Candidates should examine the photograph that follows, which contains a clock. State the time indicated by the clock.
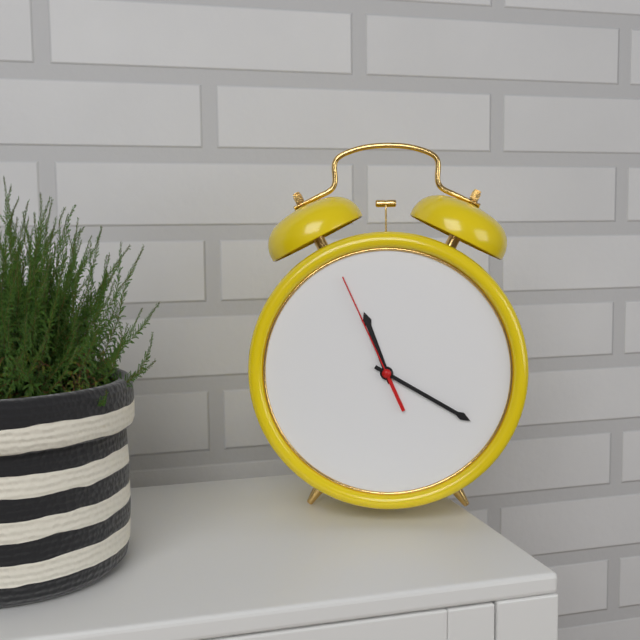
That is 11:20:56
